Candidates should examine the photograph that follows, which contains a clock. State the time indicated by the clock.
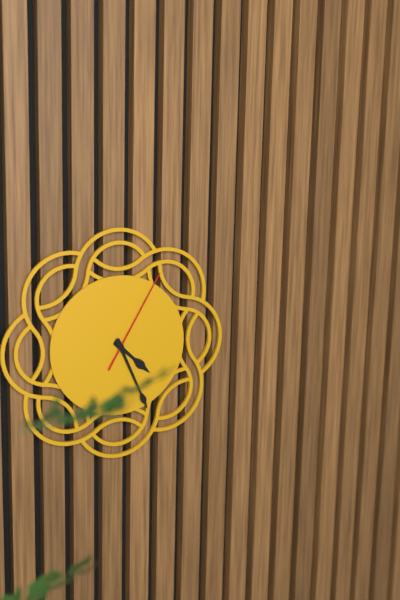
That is 4:26:05
